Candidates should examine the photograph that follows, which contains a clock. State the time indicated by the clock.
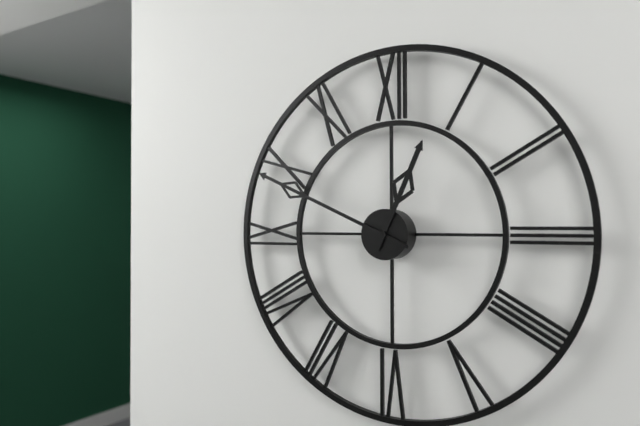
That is 12:49
